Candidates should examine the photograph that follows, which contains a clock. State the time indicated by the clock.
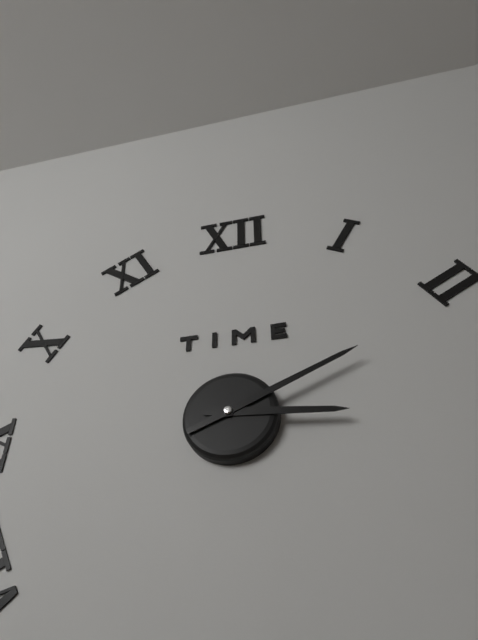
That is 3:11
